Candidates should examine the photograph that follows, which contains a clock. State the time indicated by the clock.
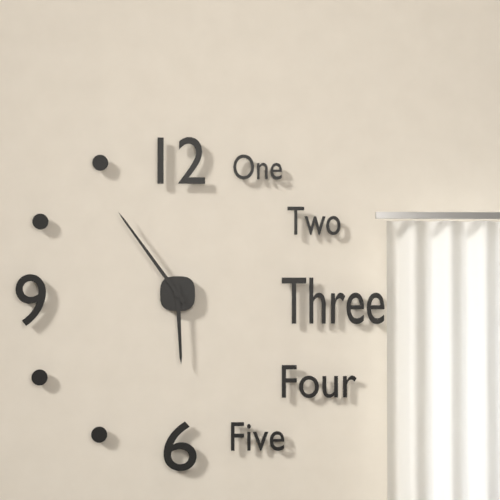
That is 5:54
